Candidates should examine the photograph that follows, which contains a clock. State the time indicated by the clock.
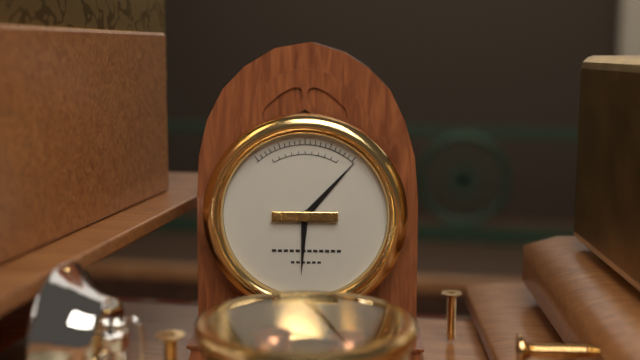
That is 6:07
